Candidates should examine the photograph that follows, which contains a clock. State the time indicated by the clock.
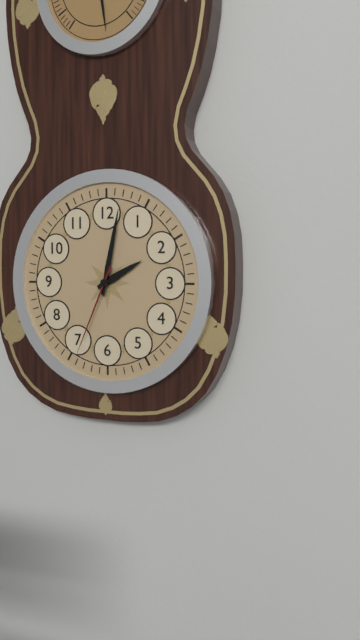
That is 2:02:34
